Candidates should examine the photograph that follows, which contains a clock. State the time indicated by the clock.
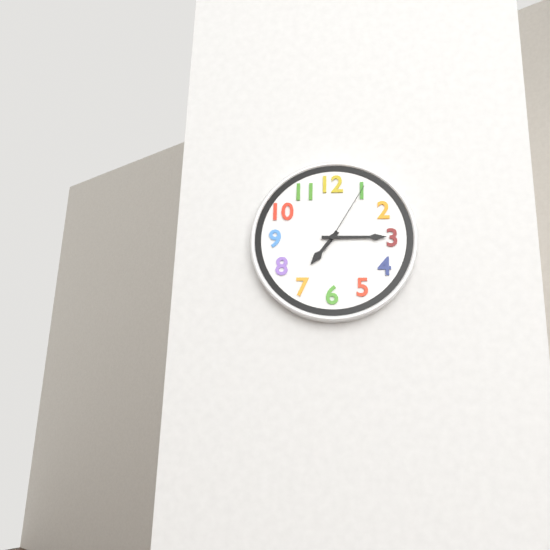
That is 7:15:05
